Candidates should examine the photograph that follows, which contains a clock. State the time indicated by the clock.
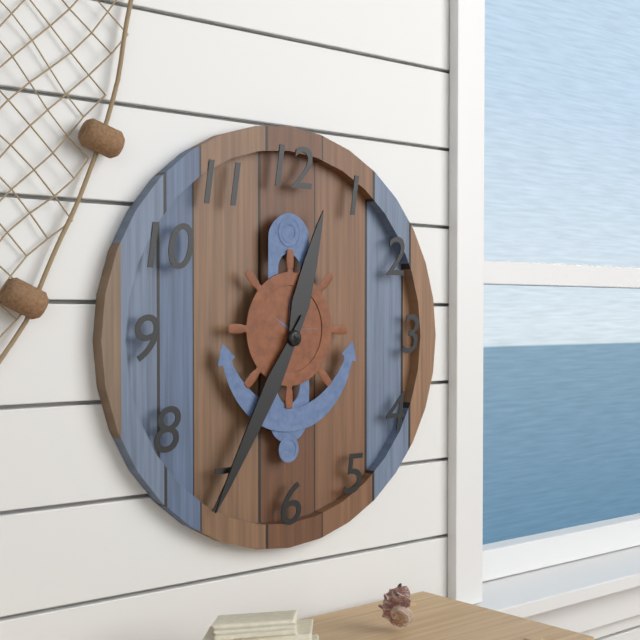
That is 12:35
